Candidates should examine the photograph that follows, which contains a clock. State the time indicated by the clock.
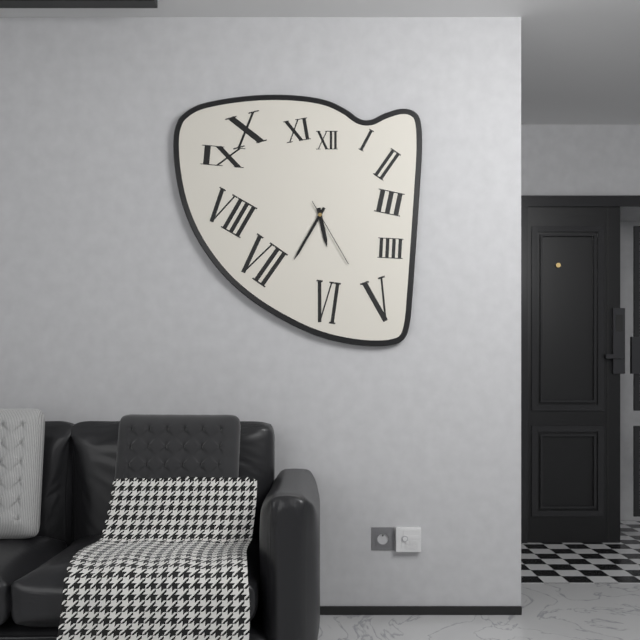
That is 5:35:25
